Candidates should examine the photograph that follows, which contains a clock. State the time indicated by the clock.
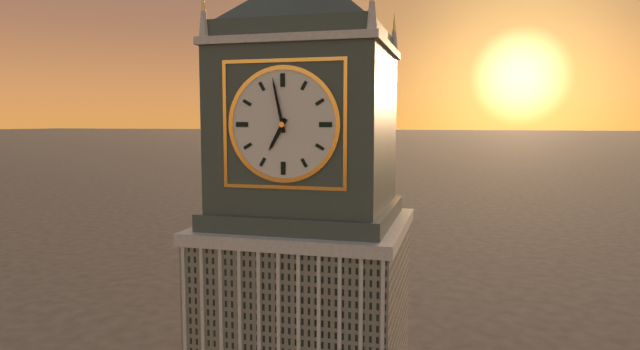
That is 6:58
